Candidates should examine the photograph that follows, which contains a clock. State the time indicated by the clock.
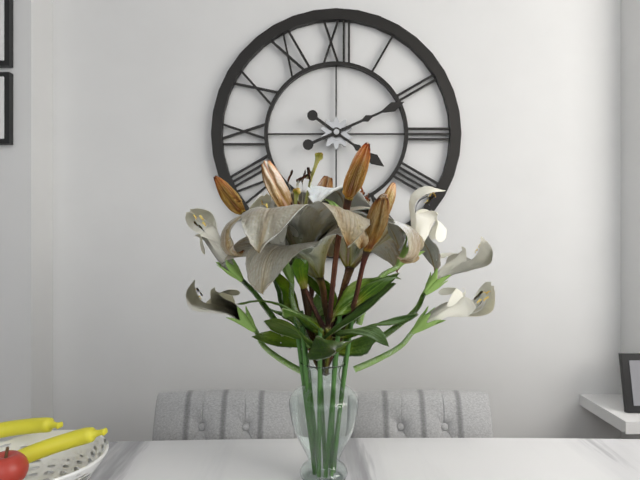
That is 4:11
